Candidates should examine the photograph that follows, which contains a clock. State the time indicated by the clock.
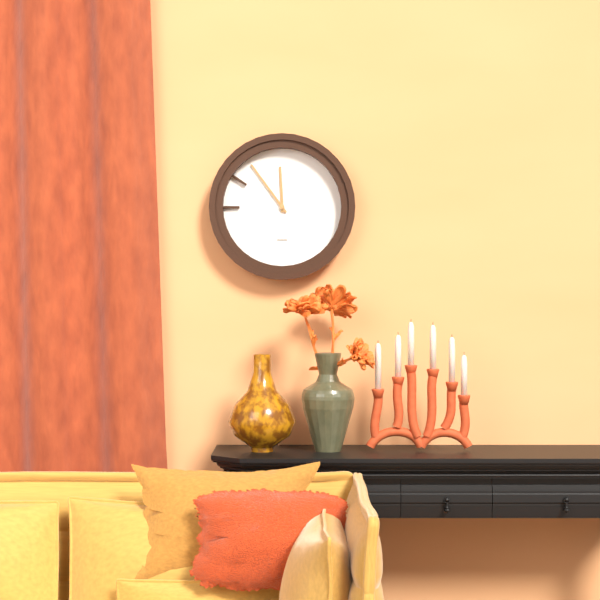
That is 11:54
